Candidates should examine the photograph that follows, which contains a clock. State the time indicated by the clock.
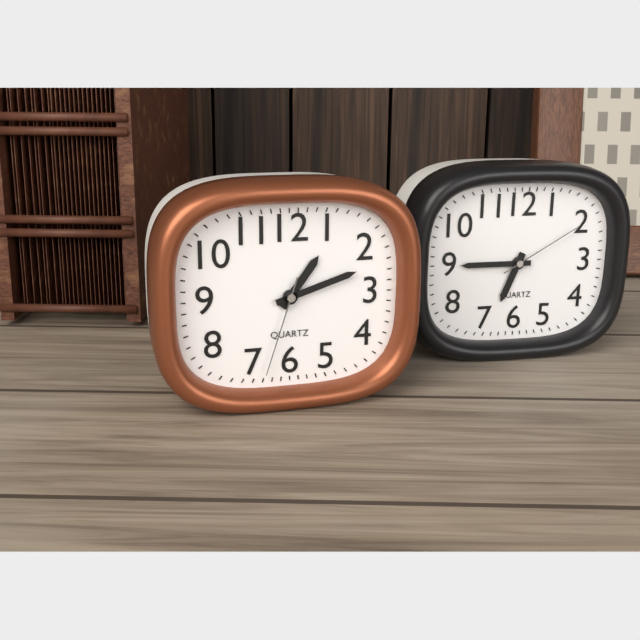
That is 1:12:33
